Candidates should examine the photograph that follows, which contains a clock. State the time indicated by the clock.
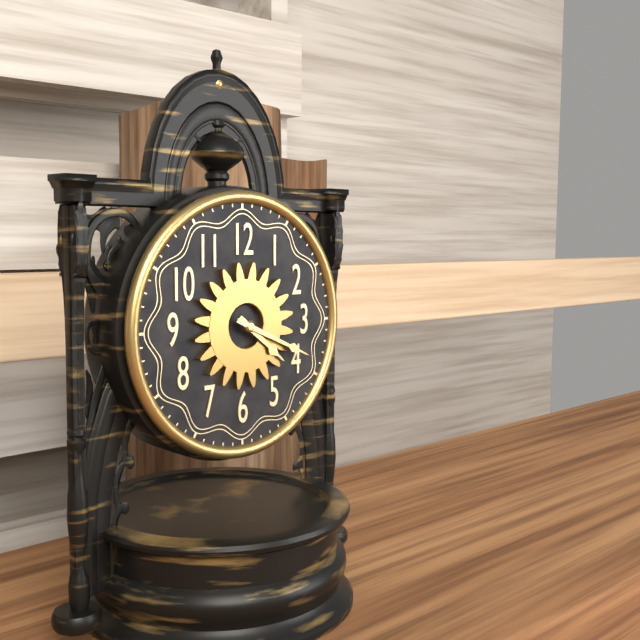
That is 4:19
